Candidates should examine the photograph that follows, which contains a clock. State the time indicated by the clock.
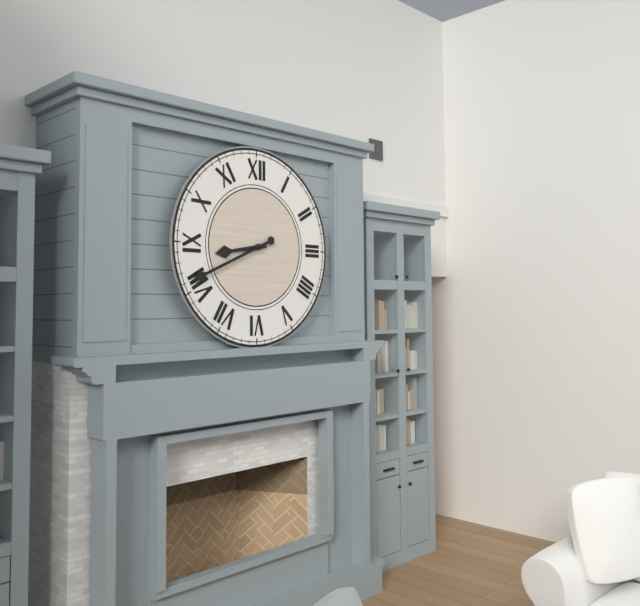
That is 8:41
